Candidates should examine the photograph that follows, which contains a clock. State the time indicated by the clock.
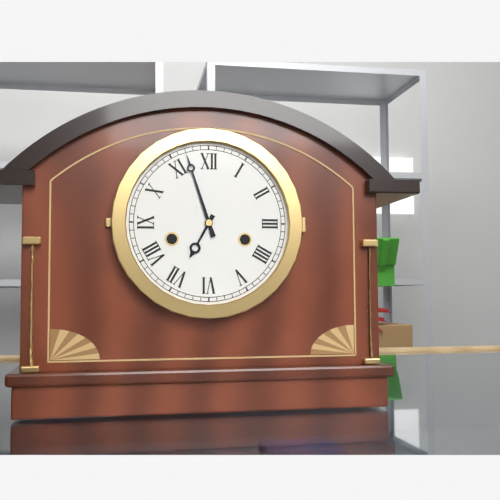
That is 6:57
